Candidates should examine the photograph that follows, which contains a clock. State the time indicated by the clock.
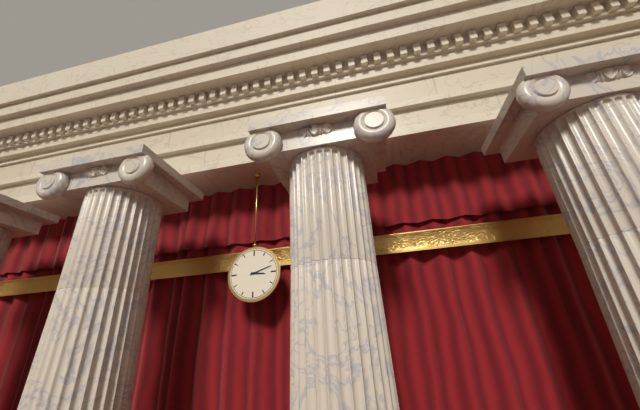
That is 3:12
